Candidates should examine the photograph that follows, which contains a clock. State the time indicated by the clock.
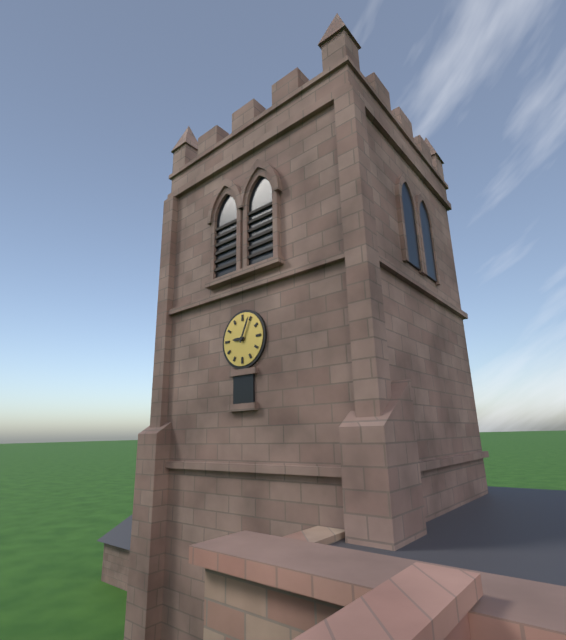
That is 9:04
